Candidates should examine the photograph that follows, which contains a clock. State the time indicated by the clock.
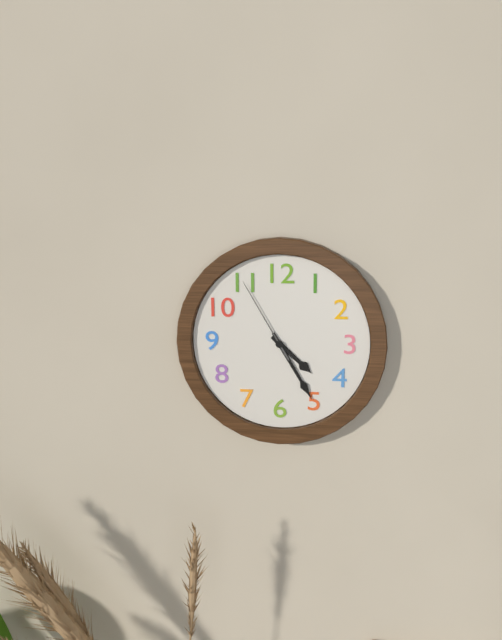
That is 4:25:55
